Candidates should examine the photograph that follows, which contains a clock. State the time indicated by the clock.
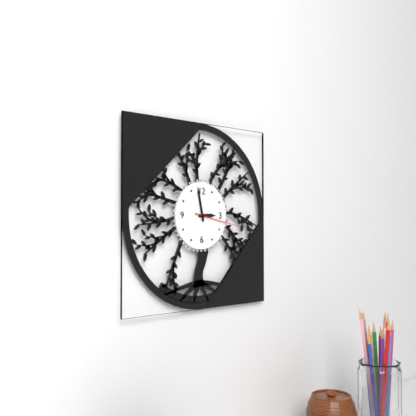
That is 2:58
